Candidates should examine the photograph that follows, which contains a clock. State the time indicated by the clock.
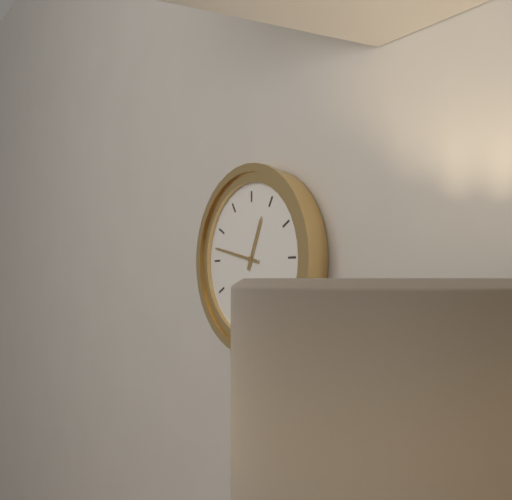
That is 12:47
